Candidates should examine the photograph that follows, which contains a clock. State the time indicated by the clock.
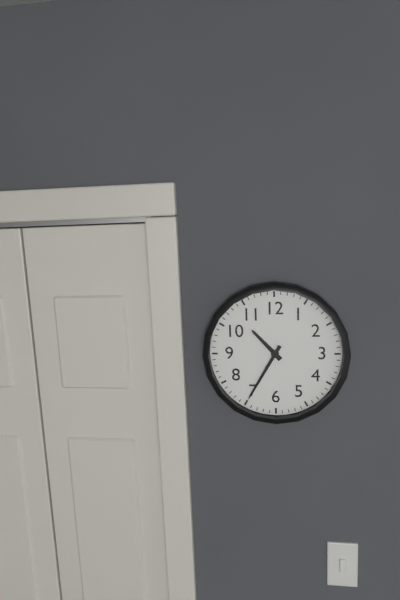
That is 10:35
